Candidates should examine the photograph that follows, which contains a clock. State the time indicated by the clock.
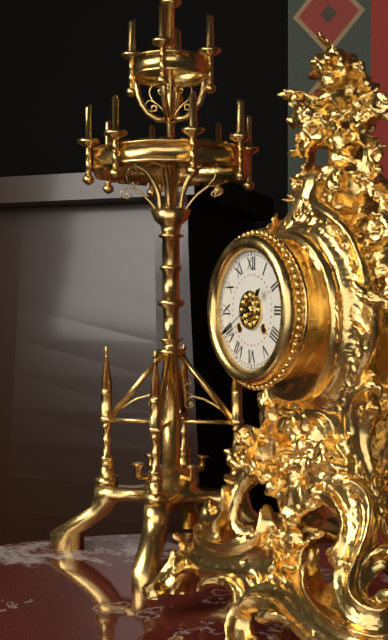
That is 1:40
